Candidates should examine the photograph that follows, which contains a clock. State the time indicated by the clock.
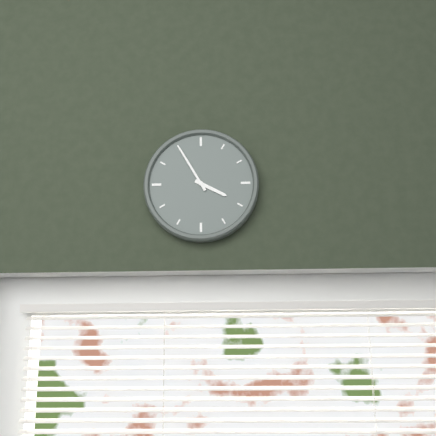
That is 3:55
